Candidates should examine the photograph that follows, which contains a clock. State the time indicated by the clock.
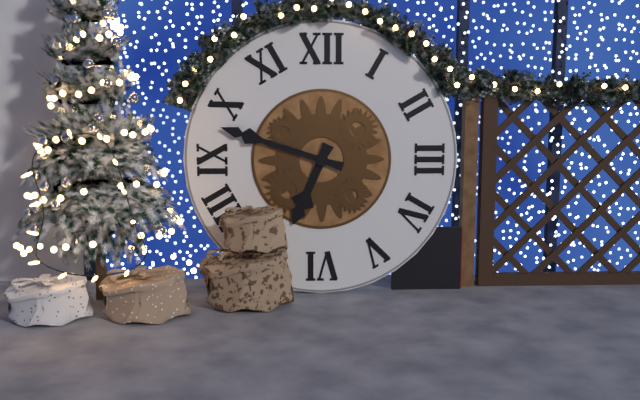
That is 6:48
